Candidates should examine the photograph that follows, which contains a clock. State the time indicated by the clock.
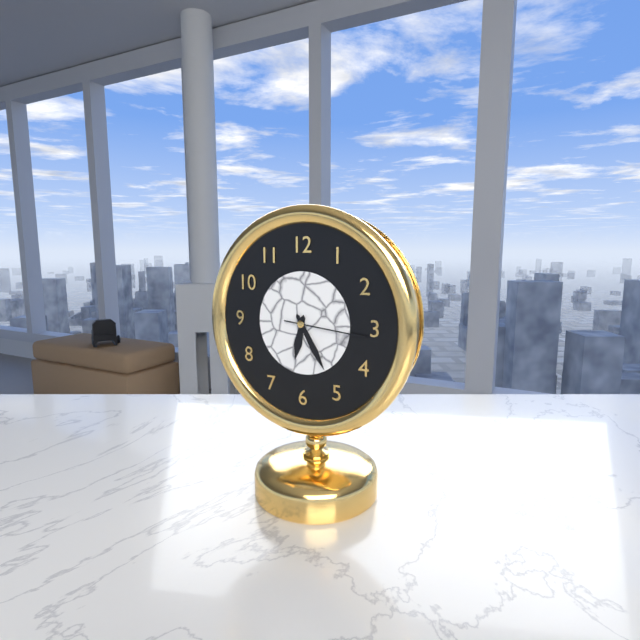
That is 6:25:16
